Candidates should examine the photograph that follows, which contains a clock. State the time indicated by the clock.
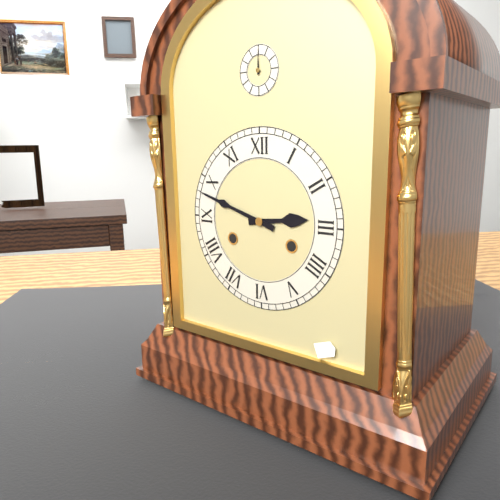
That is 2:48
